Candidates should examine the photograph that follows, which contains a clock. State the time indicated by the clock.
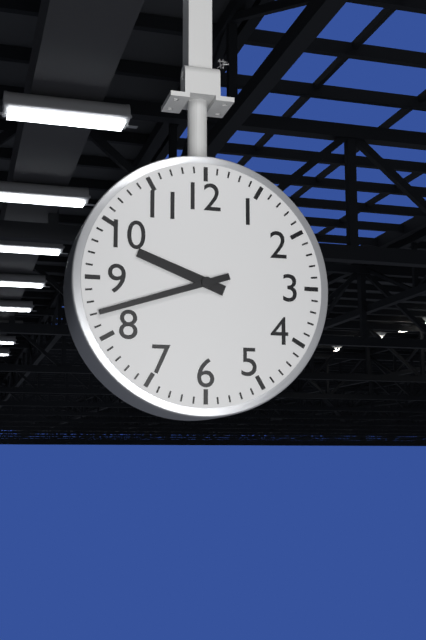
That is 9:42
